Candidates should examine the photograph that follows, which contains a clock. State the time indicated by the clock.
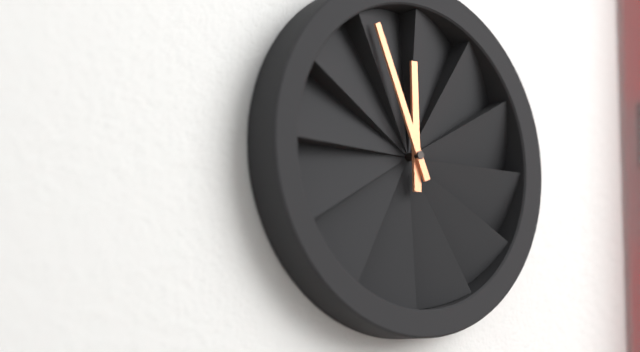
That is 11:56
